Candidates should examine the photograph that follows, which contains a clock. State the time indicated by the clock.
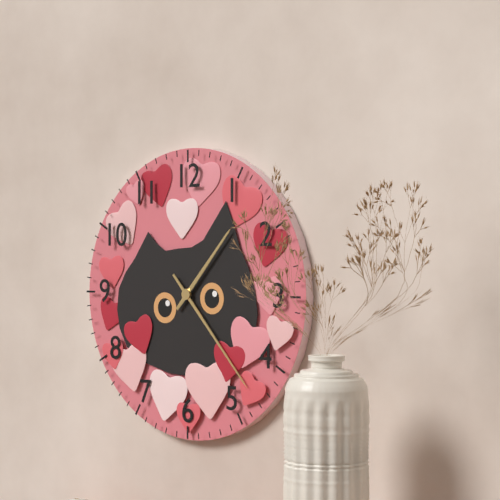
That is 1:23
